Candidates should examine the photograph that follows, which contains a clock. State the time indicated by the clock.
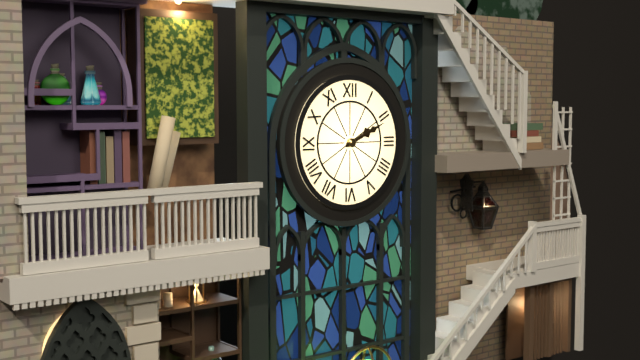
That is 2:11
